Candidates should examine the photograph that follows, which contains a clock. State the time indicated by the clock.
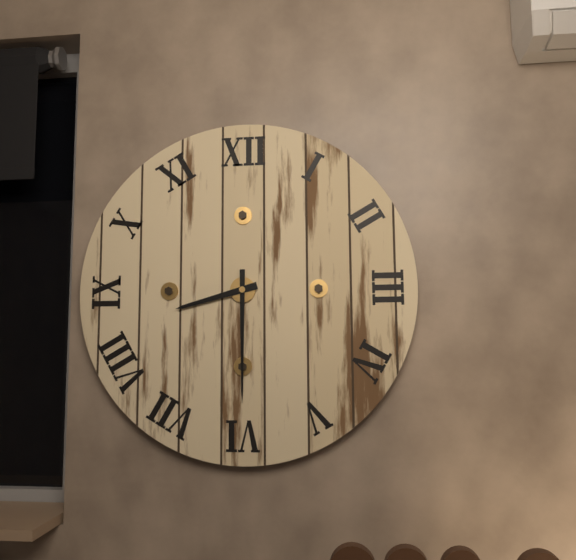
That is 8:30
